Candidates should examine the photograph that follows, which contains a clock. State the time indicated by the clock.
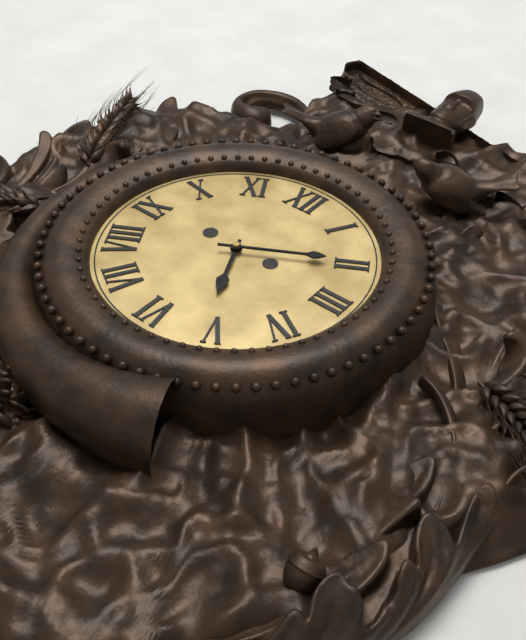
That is 5:10
